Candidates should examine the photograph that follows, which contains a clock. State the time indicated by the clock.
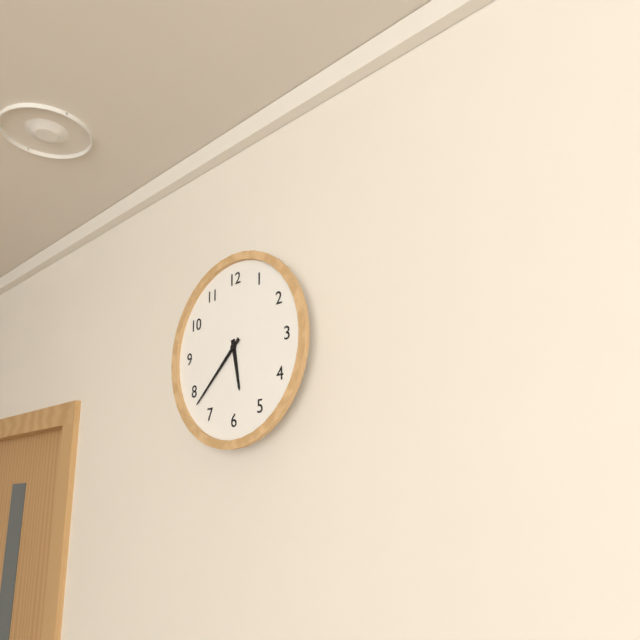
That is 5:38
